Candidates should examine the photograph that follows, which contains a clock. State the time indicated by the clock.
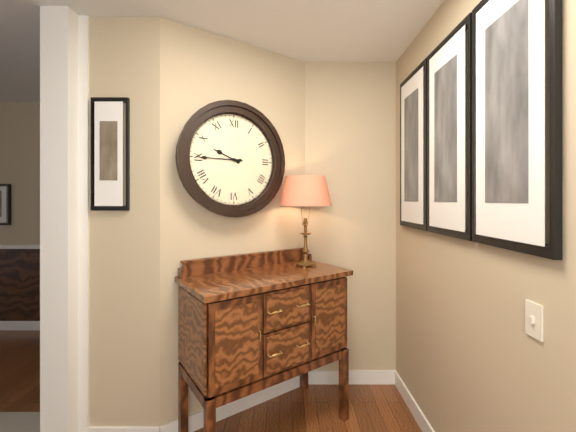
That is 9:45
